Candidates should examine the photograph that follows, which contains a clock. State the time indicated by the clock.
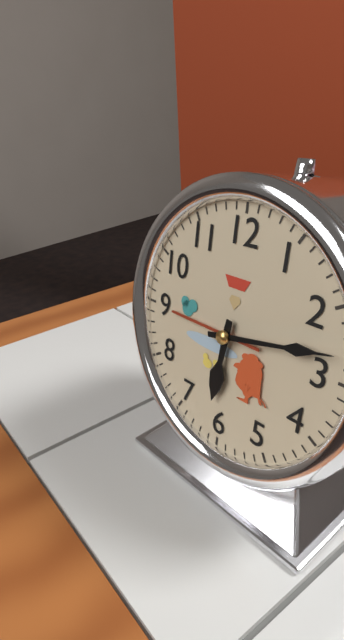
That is 6:13
